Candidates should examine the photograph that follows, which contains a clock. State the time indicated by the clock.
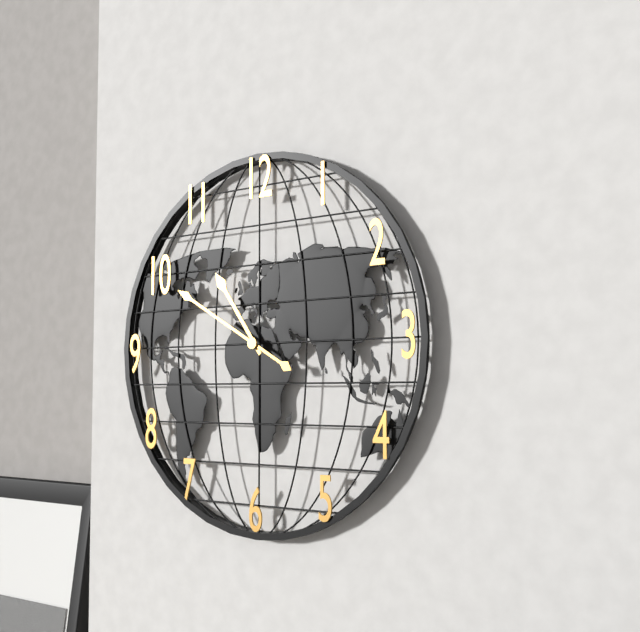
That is 10:50
